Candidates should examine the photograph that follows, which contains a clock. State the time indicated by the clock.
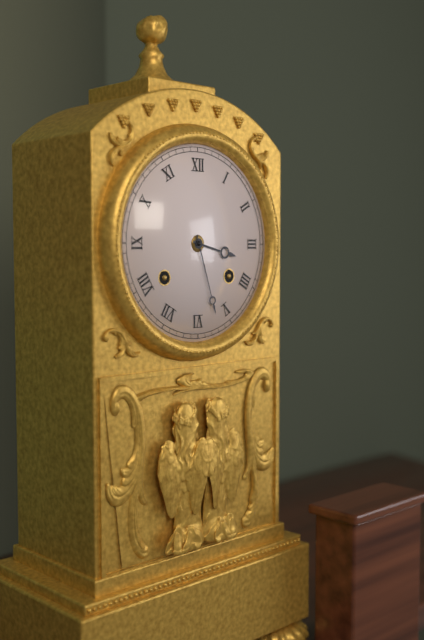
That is 3:27
